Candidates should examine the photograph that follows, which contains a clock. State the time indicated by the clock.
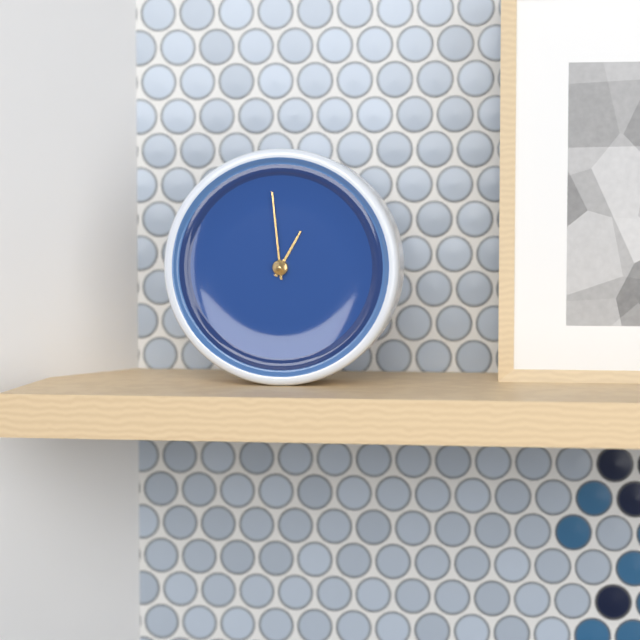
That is 12:59
